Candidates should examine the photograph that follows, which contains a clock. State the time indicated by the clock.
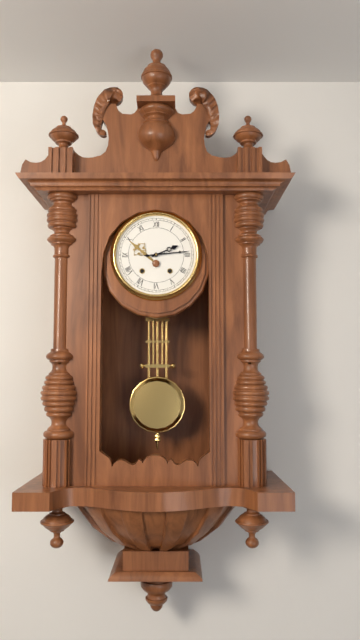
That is 2:14
